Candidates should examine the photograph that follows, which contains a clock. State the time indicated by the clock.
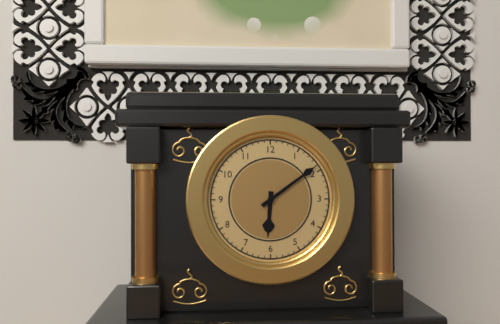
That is 6:09
